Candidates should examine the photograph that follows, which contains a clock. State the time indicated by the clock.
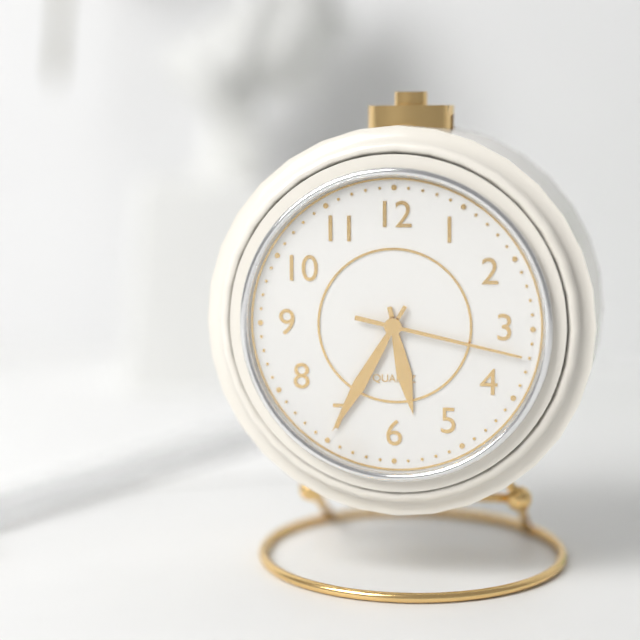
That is 5:35:17
